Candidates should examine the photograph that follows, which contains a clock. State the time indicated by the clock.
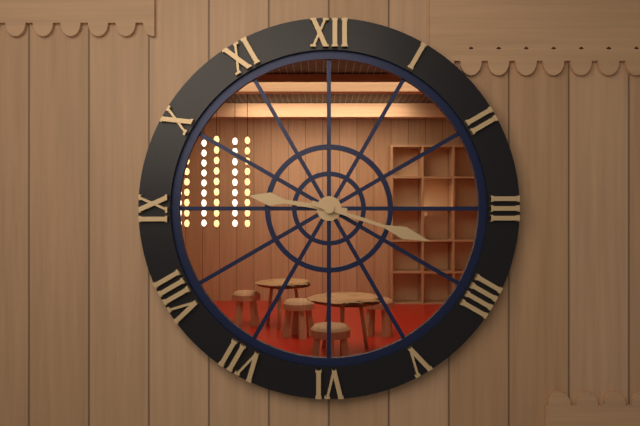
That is 9:18
